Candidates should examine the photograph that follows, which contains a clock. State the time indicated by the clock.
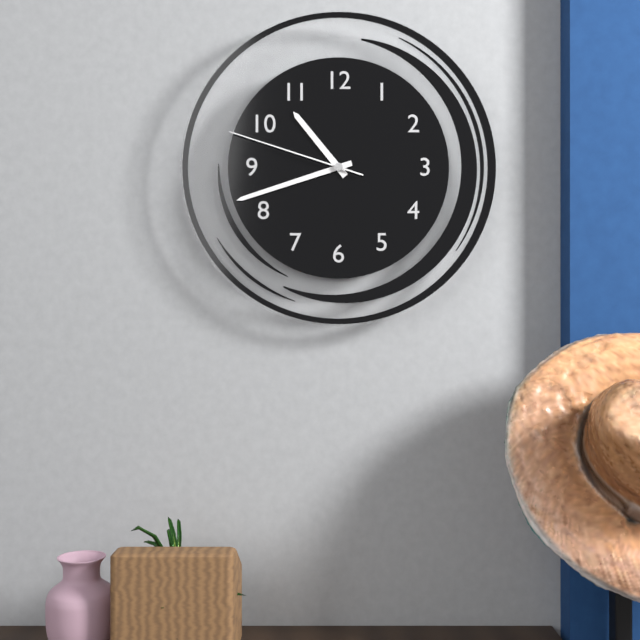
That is 10:42:48
